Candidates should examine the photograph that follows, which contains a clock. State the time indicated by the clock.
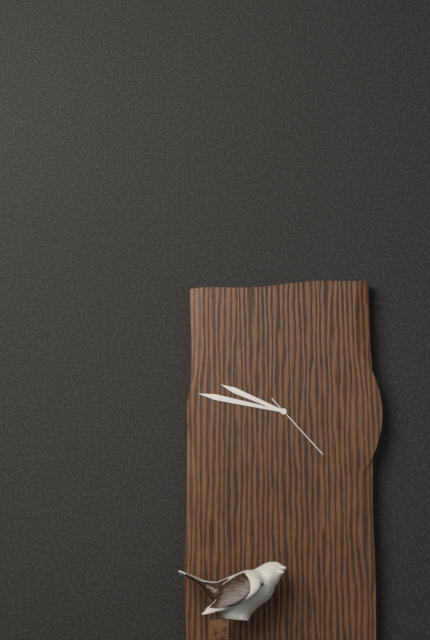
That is 9:47:23
